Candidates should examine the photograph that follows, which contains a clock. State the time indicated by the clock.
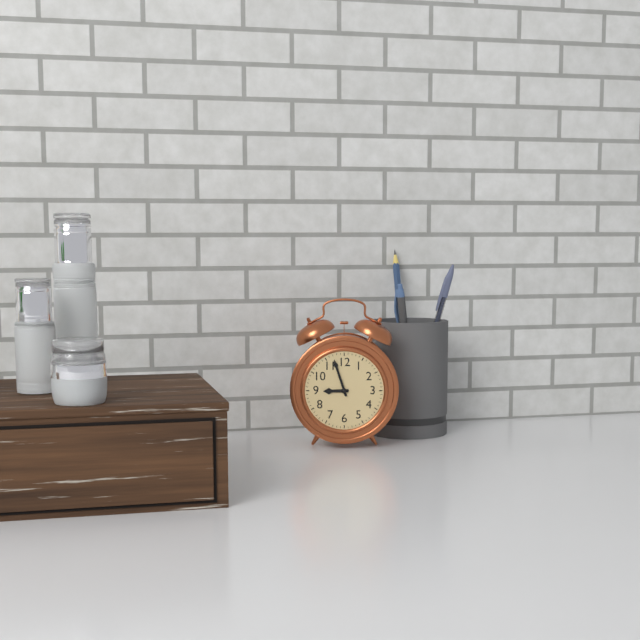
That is 8:57
